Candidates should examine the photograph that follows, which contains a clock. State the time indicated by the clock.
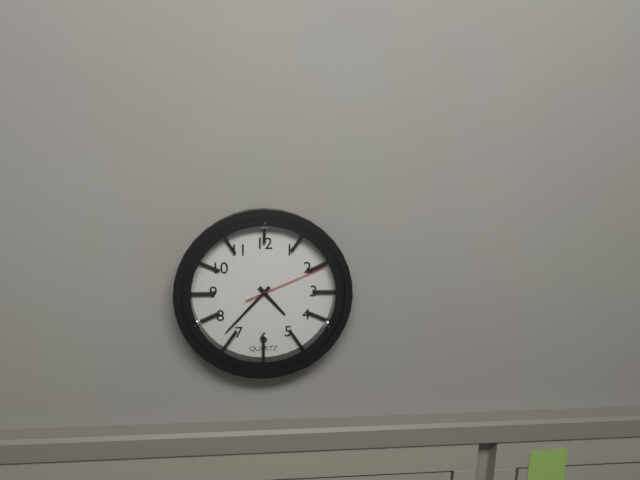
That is 4:37:11
